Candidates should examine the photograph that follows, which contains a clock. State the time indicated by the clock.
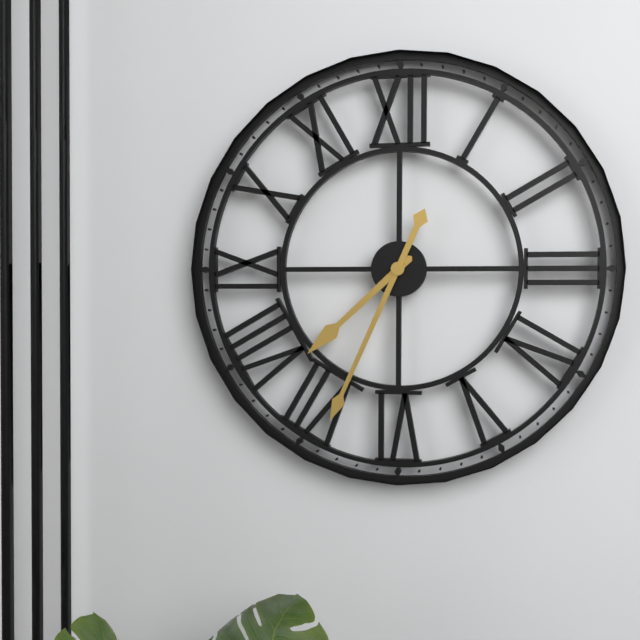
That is 7:34
